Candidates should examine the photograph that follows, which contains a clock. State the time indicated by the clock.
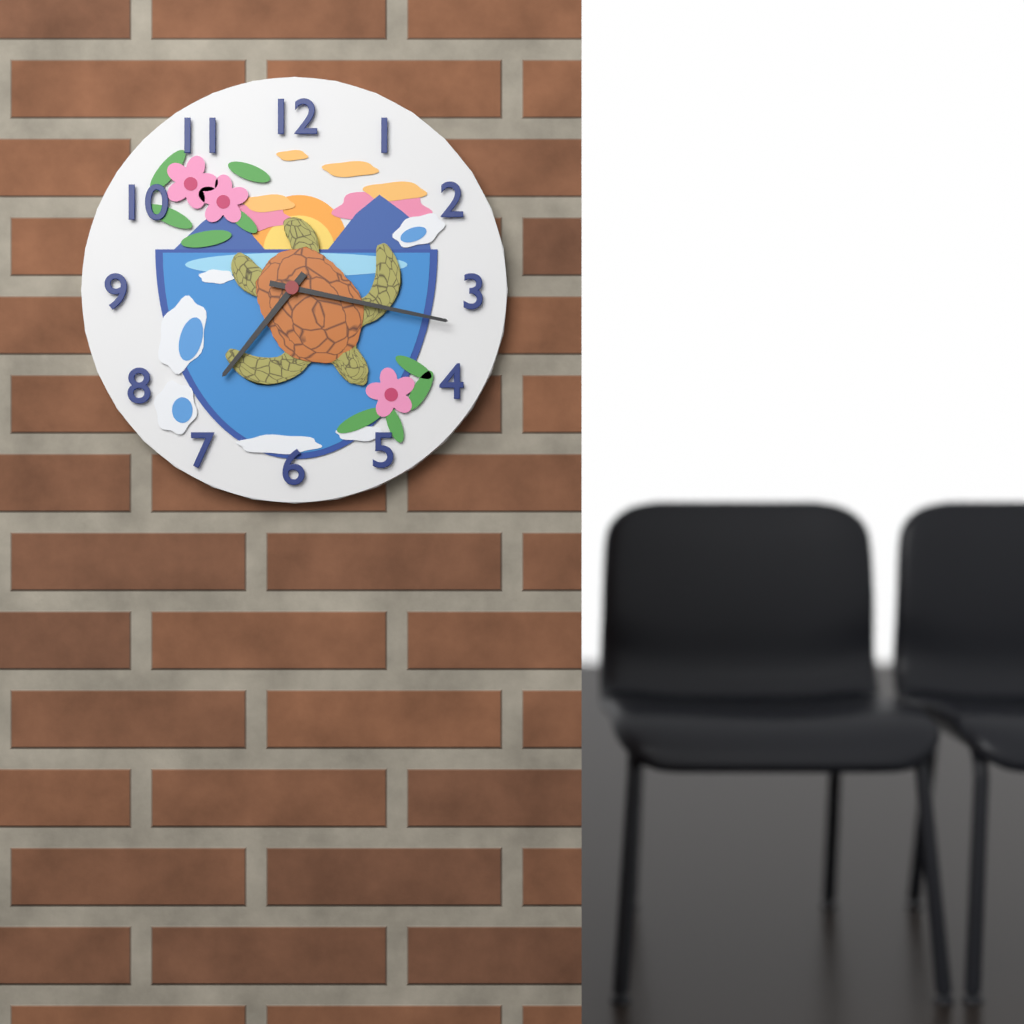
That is 7:17
